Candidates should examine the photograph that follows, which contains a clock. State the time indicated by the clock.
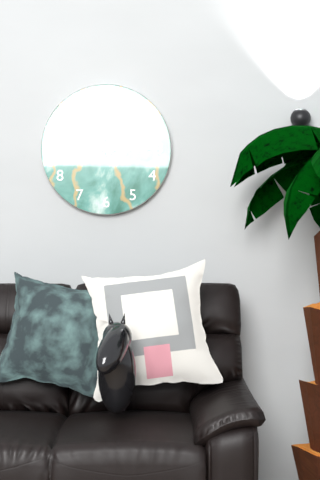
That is 11:15
